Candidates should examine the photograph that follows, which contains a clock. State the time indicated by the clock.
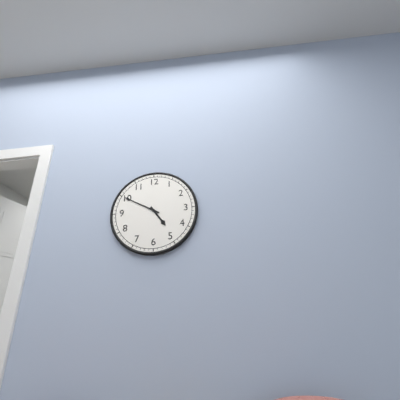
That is 4:50
